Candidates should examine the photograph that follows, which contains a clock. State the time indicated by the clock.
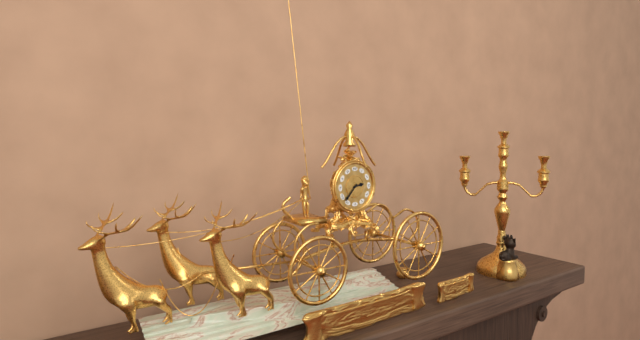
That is 2:37
